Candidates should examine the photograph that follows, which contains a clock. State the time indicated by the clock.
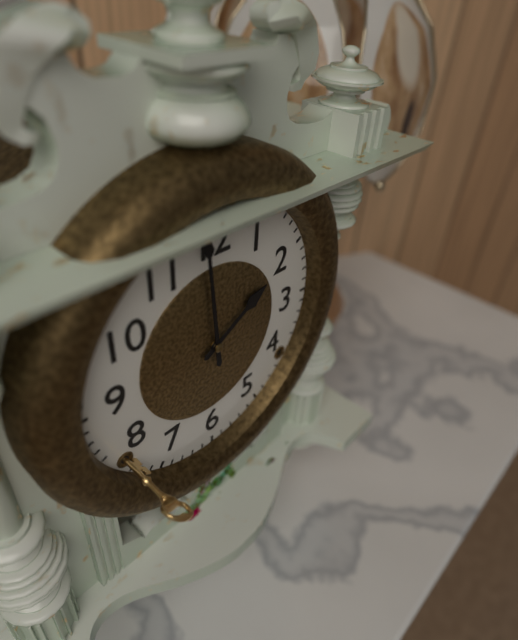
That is 1:59
